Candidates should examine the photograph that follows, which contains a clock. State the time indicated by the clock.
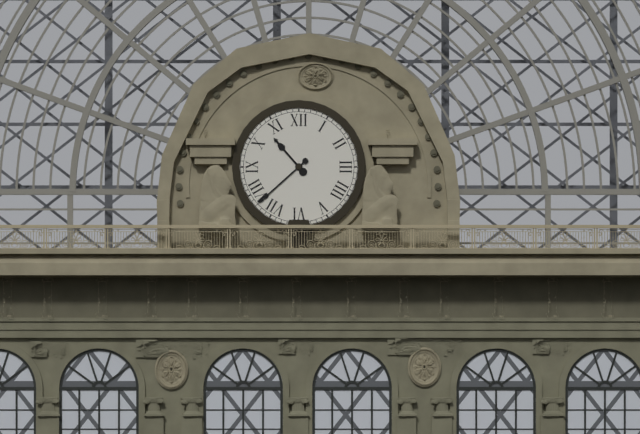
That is 10:38
